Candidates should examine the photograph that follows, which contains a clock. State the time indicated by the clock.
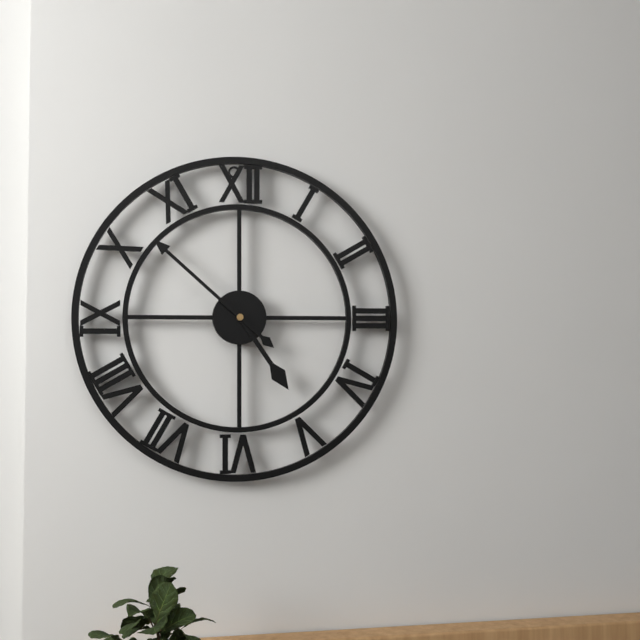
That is 4:52
